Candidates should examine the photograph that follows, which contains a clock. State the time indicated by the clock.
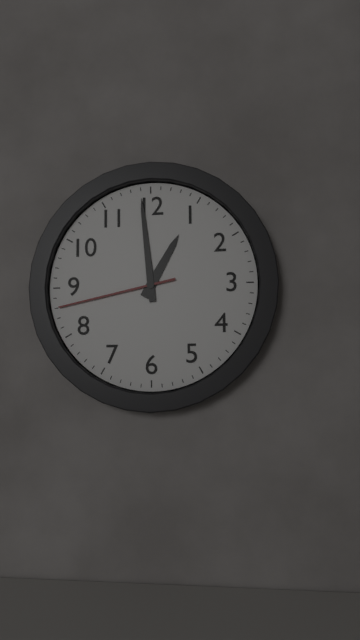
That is 12:59:43
